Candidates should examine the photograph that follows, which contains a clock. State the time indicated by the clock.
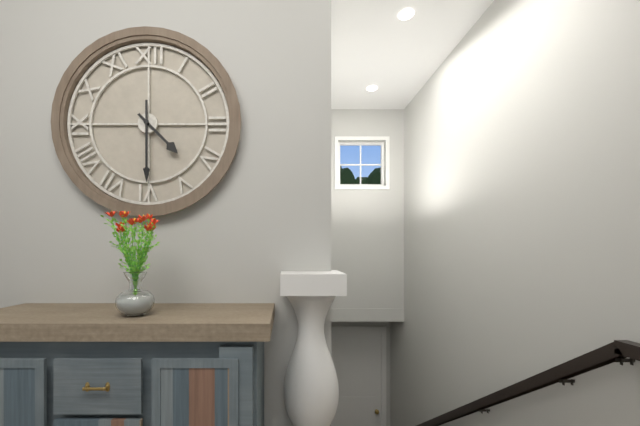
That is 4:30
